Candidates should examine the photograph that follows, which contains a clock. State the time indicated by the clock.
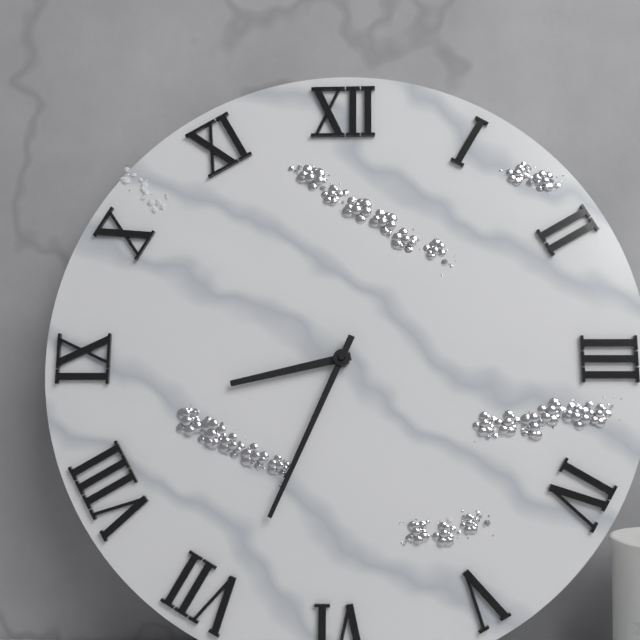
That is 8:34
